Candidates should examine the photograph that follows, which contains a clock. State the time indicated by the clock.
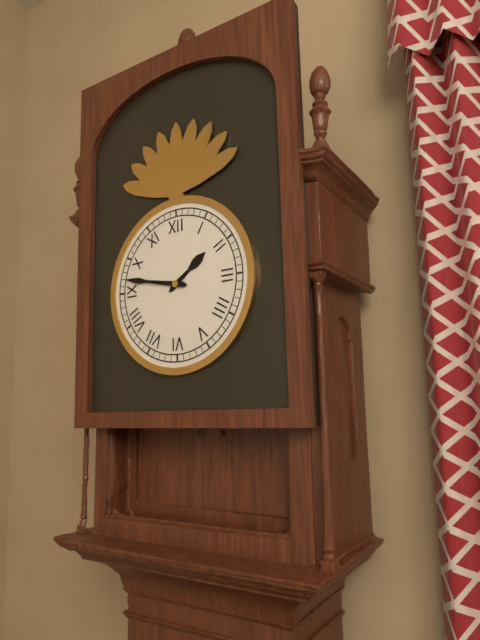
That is 1:47
